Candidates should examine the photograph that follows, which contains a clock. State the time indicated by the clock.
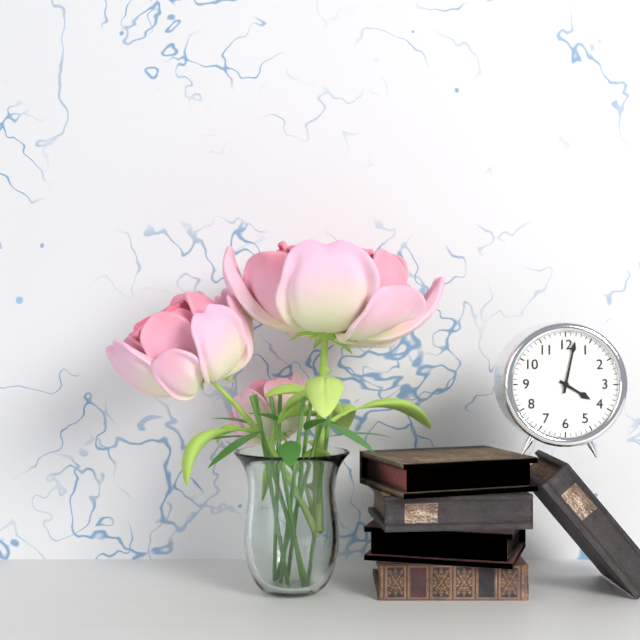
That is 4:02
